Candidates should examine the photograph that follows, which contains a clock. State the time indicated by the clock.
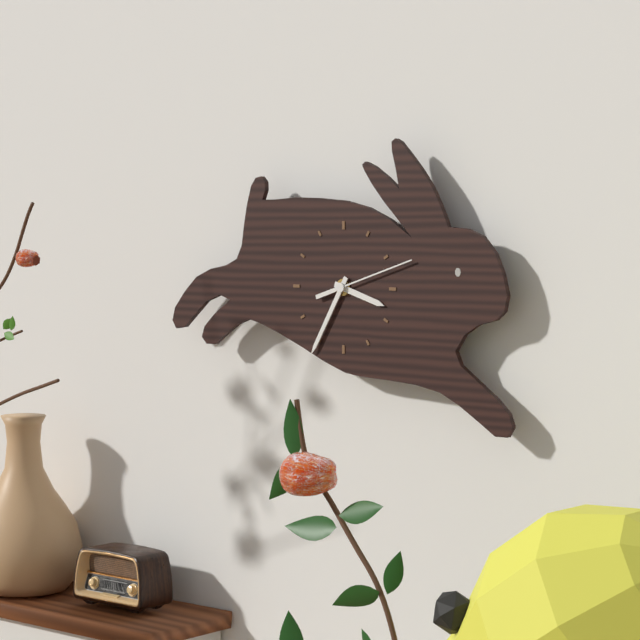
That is 3:35:12
